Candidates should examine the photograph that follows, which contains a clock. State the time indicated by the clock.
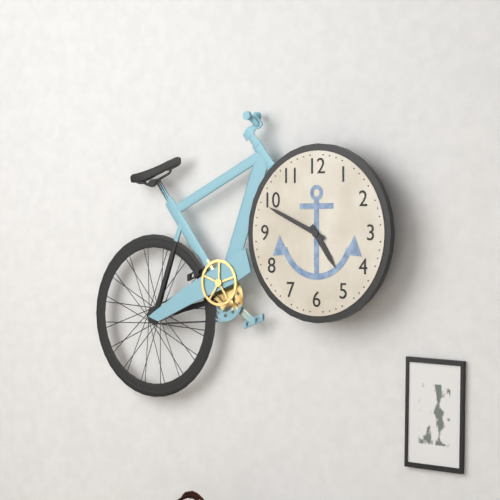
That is 4:49
